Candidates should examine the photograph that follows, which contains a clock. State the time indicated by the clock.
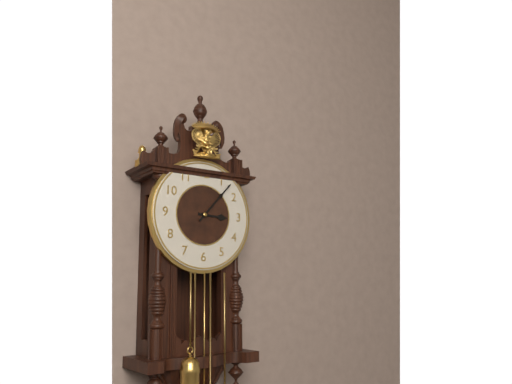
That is 3:07
